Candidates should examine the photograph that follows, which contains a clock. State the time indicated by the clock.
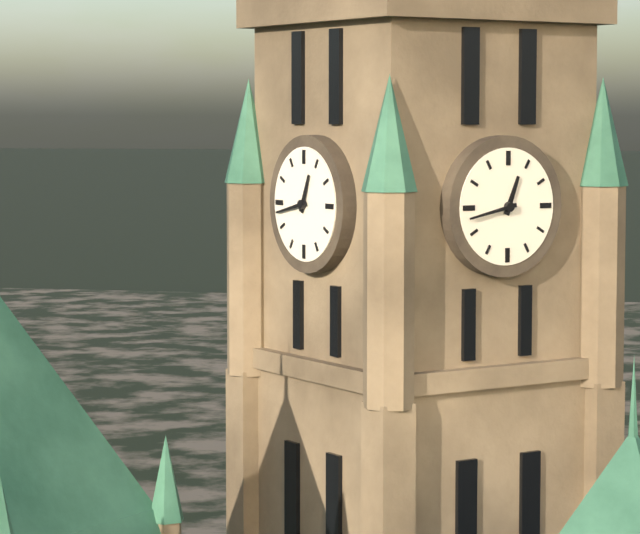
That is 12:43
